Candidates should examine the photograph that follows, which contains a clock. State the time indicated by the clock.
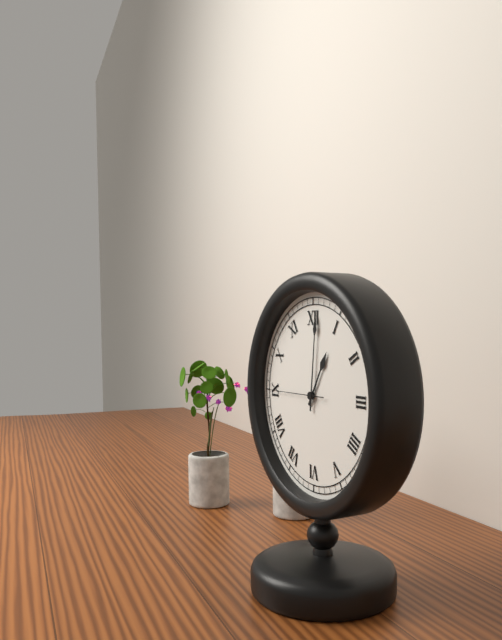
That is 1:01:45
